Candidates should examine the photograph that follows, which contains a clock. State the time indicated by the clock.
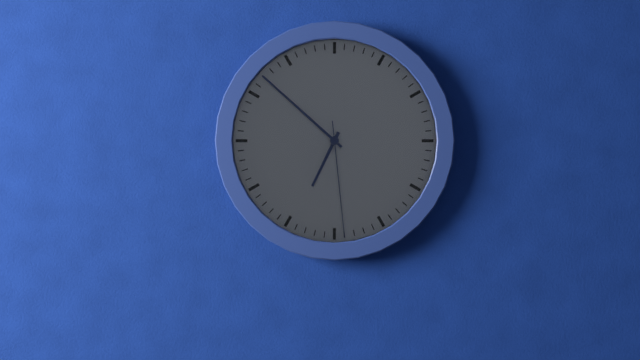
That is 6:52:29
